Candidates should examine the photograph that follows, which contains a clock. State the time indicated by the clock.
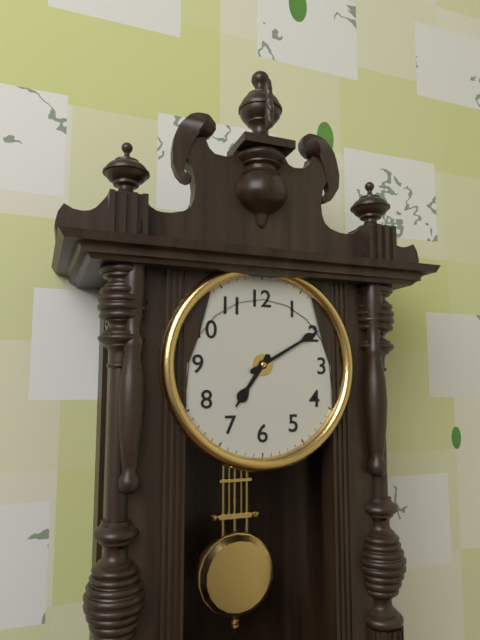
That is 7:10
